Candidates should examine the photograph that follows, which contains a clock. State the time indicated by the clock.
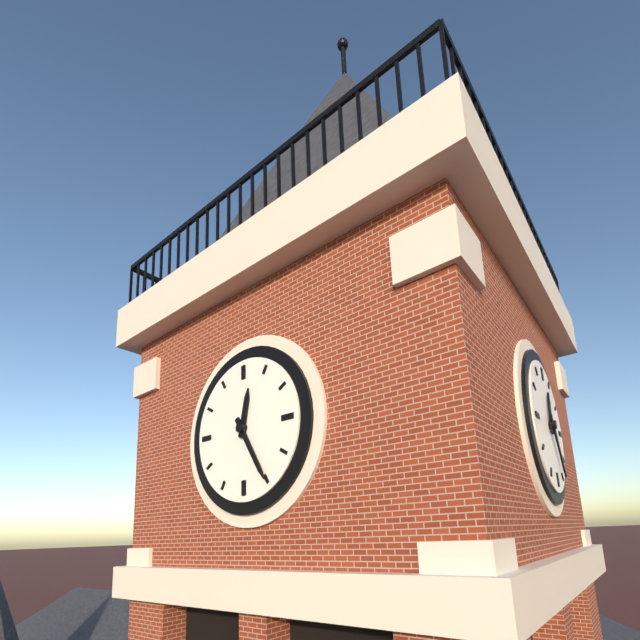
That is 12:25
